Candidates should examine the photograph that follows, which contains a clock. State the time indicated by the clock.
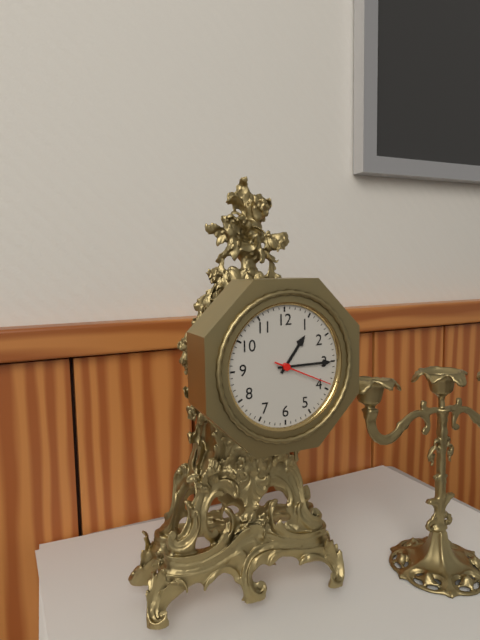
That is 1:15:19
